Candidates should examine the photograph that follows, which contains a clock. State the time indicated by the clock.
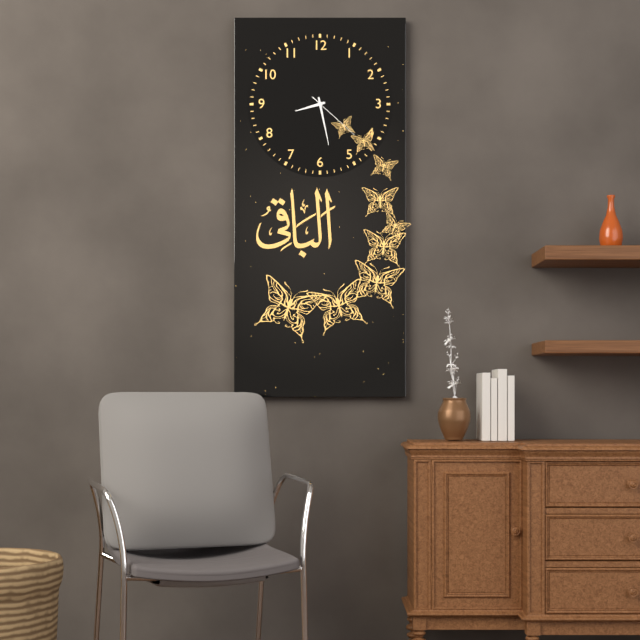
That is 8:28:22
